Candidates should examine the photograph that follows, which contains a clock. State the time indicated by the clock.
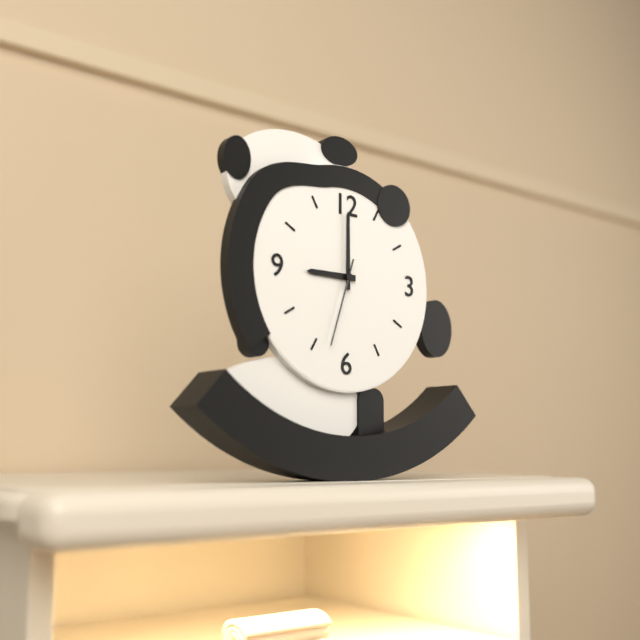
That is 9:00:33
